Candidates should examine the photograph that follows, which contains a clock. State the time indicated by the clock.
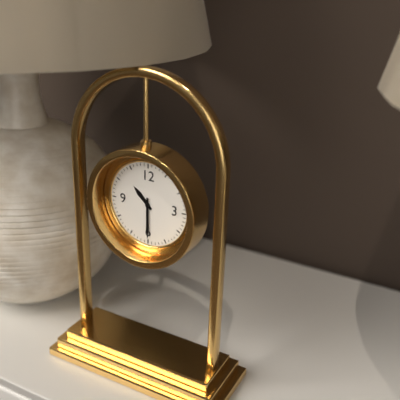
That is 10:30
